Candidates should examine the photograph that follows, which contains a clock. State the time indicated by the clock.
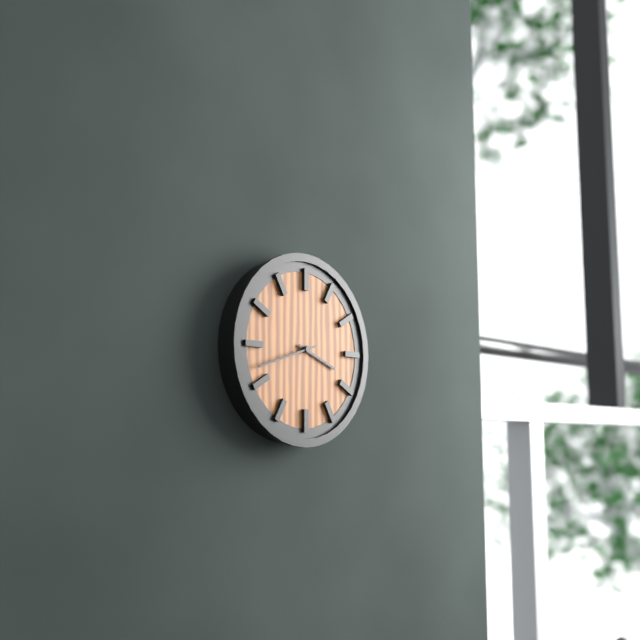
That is 3:42
